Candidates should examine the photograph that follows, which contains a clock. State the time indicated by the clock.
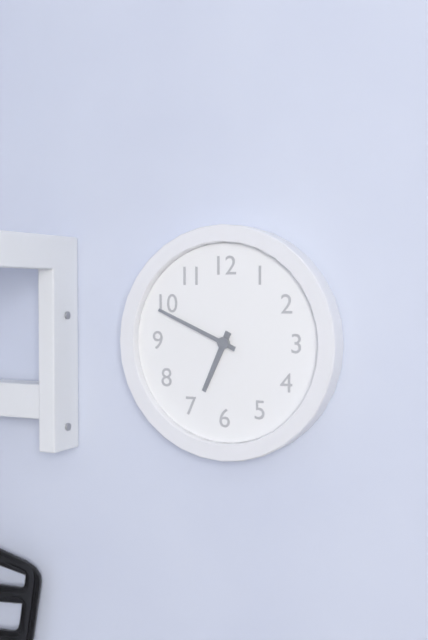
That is 6:49
